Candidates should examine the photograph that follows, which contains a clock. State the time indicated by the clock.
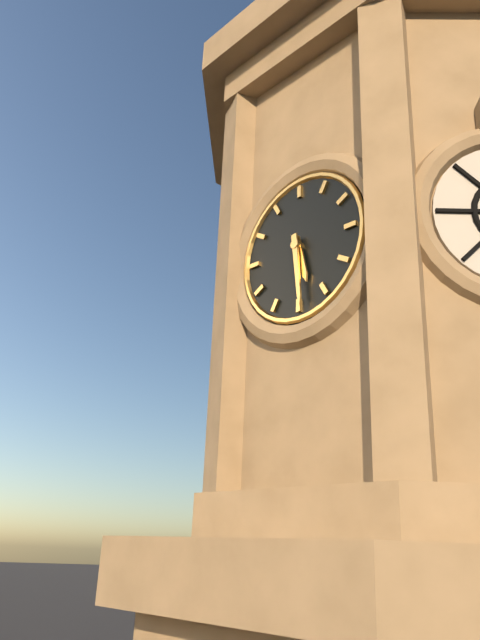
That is 5:29
